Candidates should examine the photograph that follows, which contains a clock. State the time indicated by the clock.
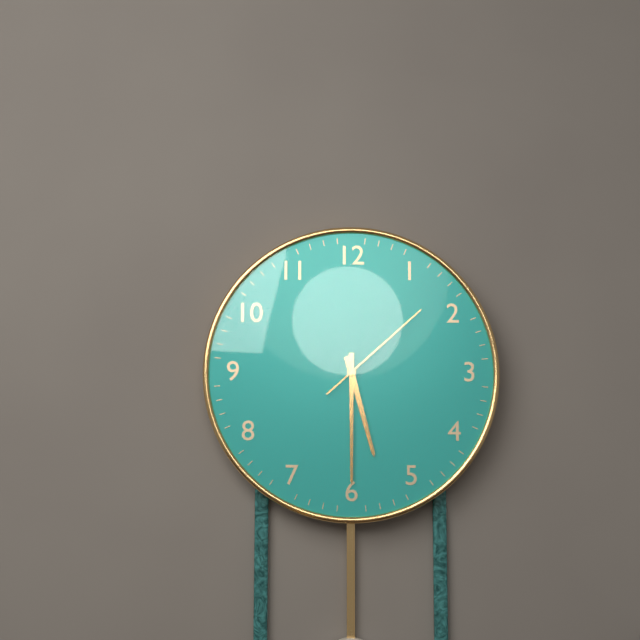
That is 5:30:08
